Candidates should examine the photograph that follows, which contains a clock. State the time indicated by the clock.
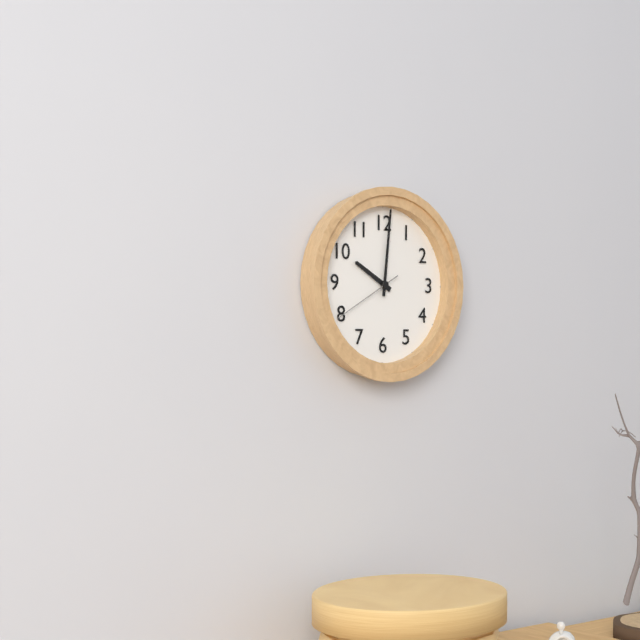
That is 10:01:40
